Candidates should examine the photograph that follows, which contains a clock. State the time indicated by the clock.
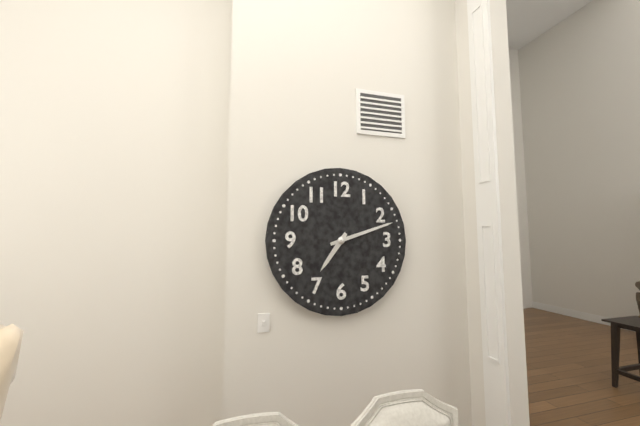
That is 7:12
